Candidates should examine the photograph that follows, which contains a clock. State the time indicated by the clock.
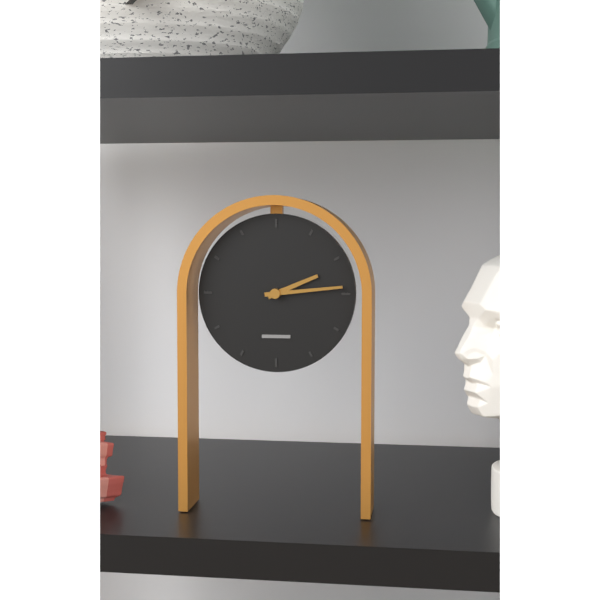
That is 2:14
